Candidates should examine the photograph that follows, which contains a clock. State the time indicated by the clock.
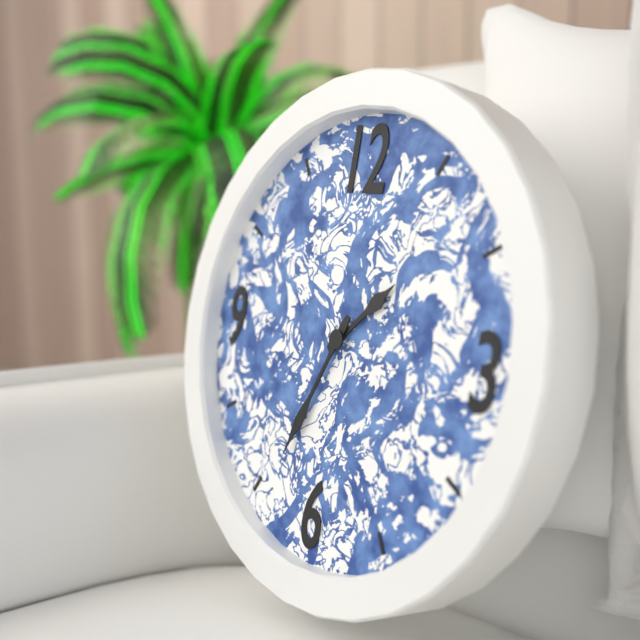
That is 1:34
